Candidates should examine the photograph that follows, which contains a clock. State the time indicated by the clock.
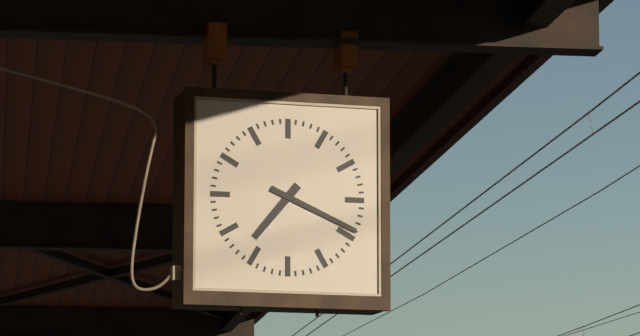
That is 7:19
